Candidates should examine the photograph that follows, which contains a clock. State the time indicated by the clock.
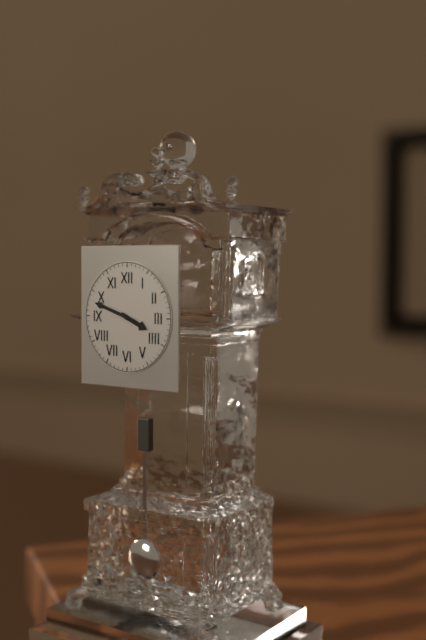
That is 3:48
